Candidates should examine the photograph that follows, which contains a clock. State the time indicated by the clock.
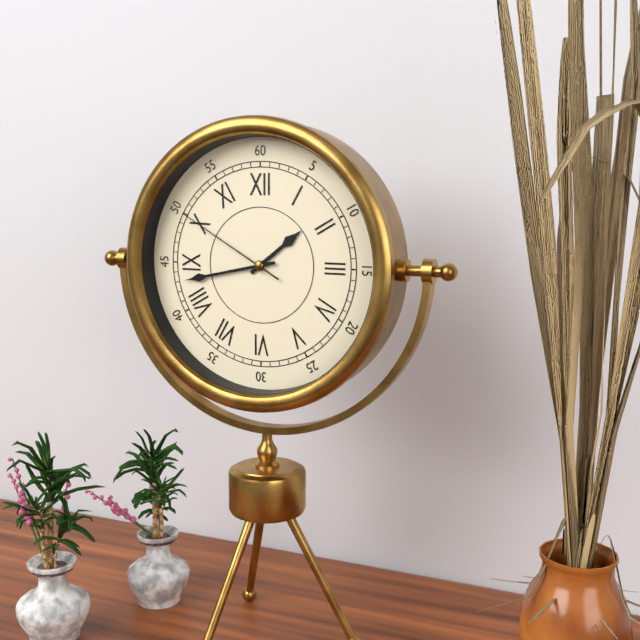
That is 1:43:50
